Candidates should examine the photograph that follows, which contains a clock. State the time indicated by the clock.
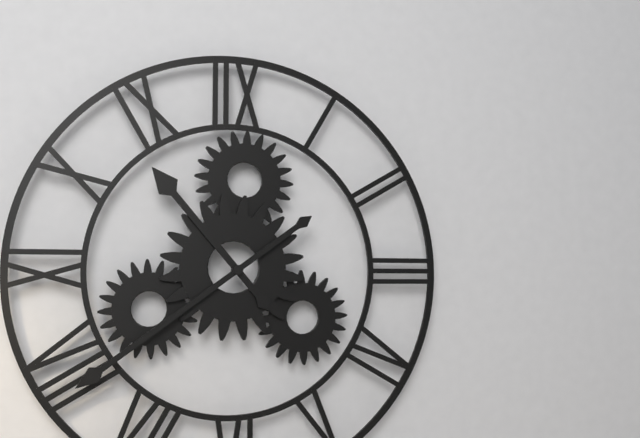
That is 10:39
